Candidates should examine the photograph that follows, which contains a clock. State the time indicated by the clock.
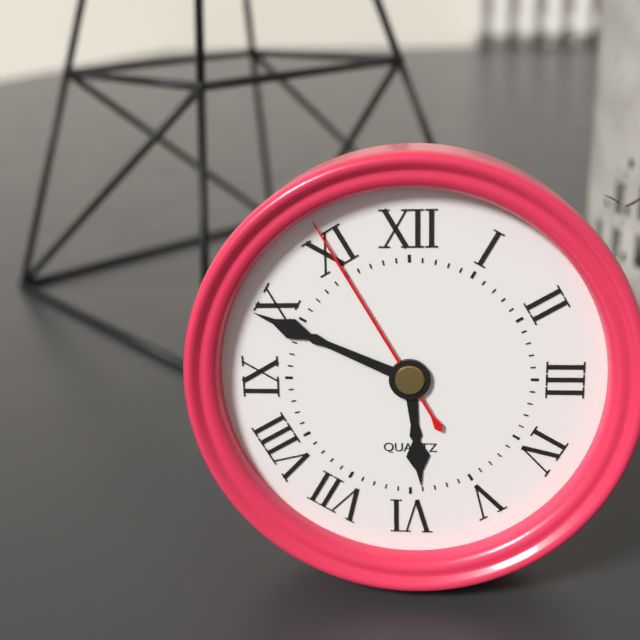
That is 5:49:55
